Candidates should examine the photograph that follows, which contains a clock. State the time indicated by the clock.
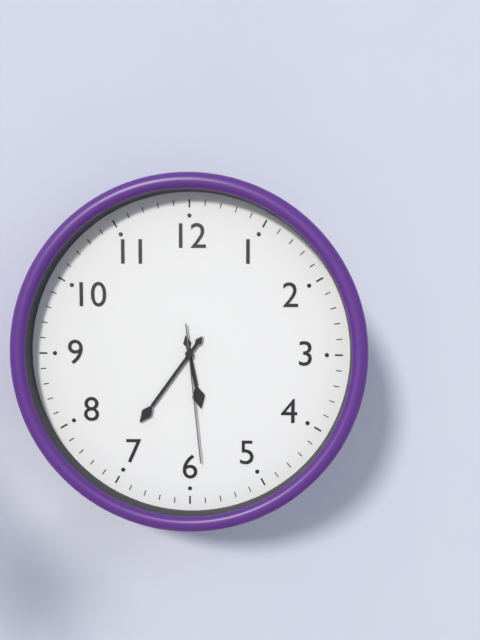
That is 5:36:29
